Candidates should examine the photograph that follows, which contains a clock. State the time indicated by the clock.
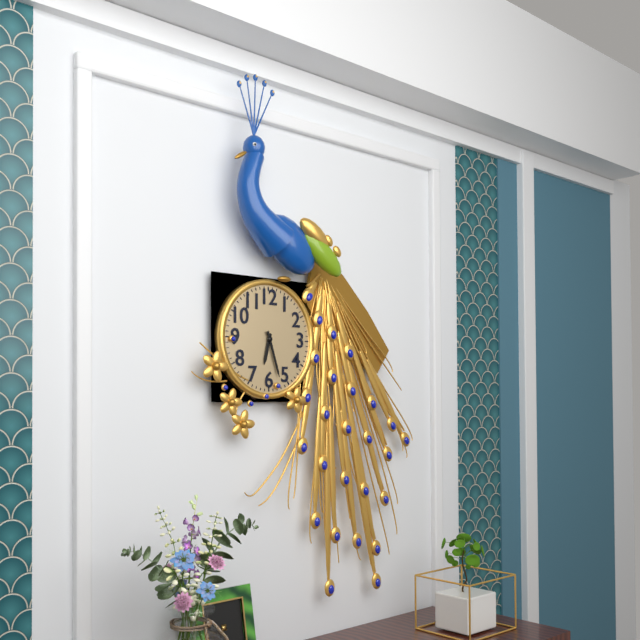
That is 6:27
